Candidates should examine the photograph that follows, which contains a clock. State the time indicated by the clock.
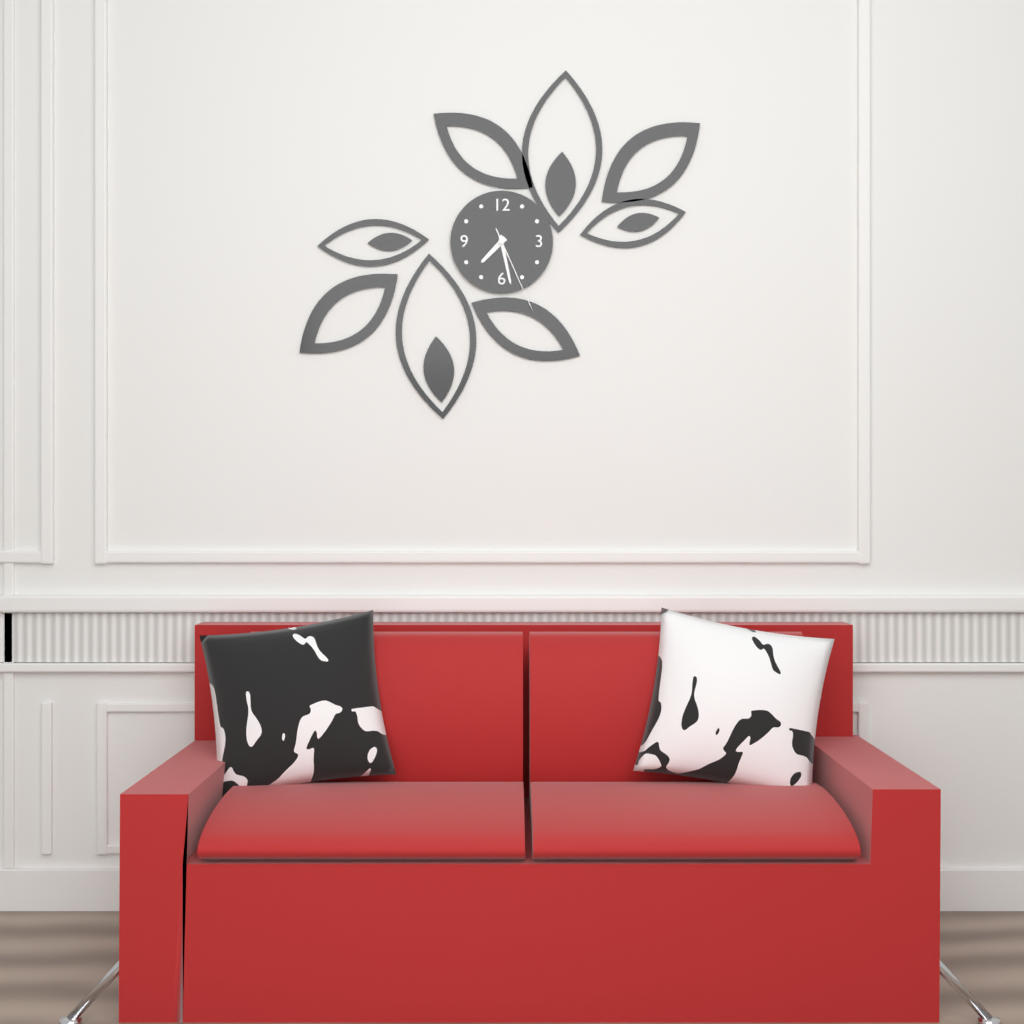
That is 7:28:26
